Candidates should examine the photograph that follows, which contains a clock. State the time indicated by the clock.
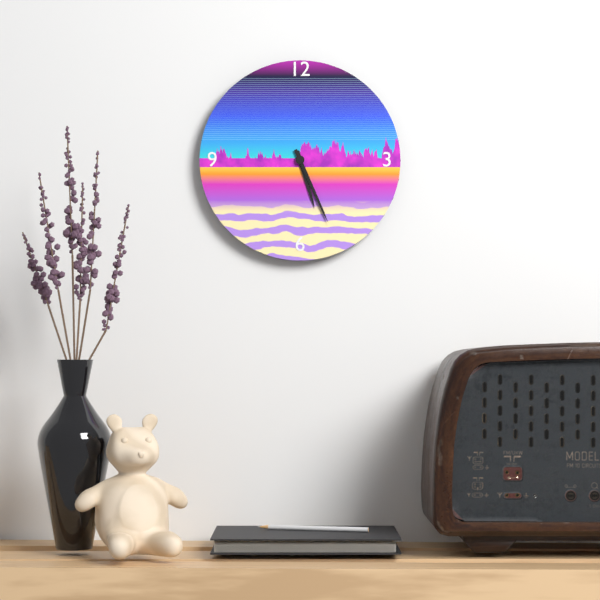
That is 5:26
